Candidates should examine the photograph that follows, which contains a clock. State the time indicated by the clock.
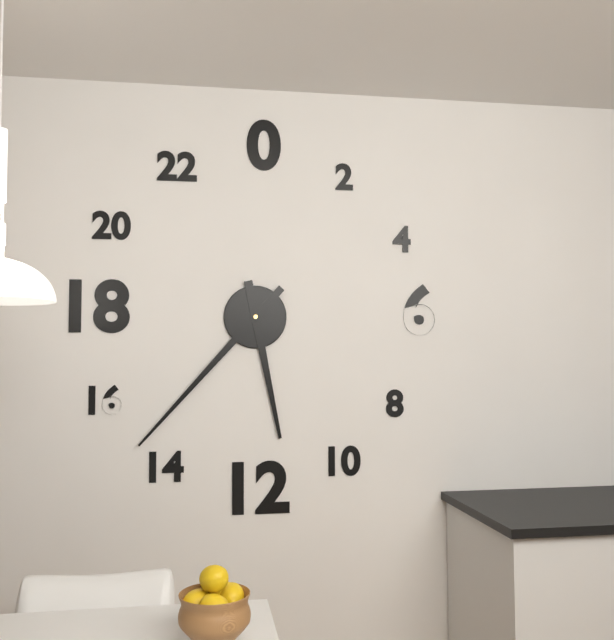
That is 5:37
